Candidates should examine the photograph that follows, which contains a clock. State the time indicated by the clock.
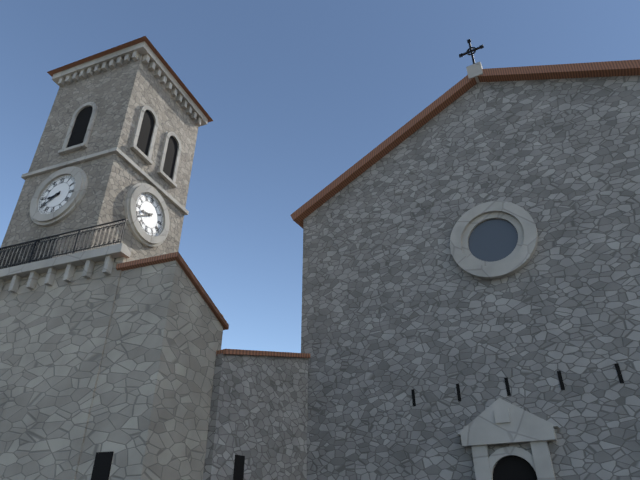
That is 8:39
